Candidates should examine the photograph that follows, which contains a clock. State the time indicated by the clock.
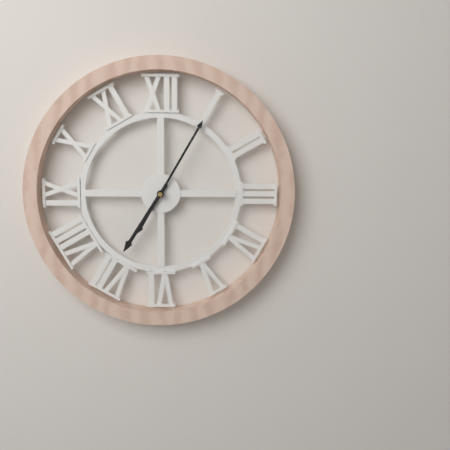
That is 7:05
